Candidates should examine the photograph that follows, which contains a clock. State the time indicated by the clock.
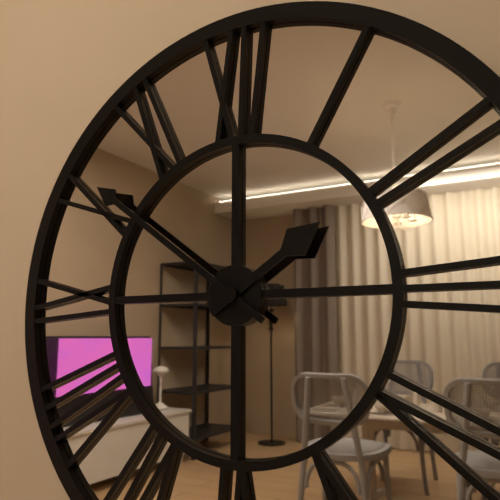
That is 1:51
